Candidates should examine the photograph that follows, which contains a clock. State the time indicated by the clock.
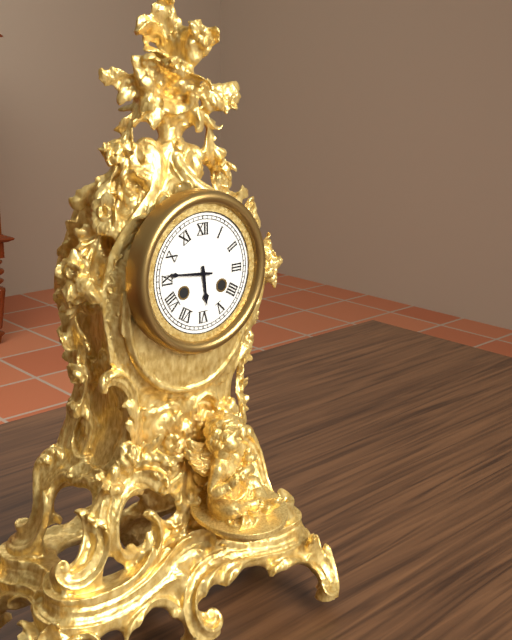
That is 5:46
